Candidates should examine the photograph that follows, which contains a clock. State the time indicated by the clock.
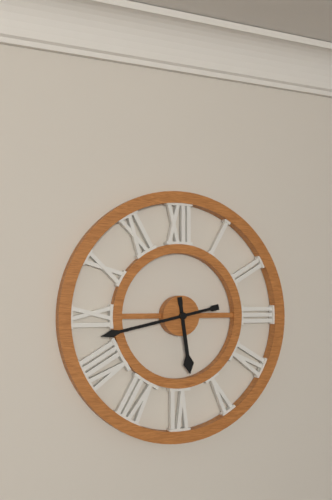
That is 5:43
